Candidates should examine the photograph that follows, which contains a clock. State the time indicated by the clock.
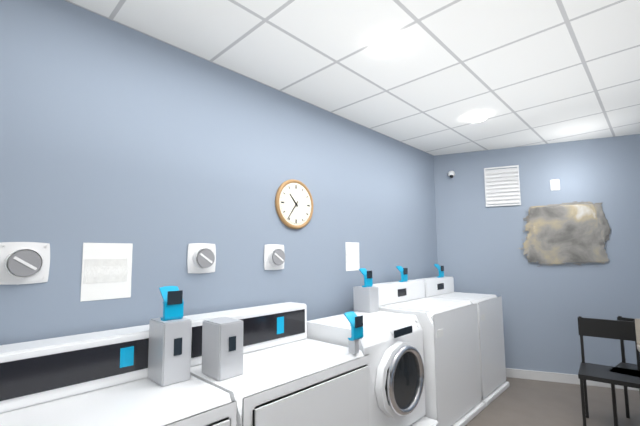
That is 10:36
